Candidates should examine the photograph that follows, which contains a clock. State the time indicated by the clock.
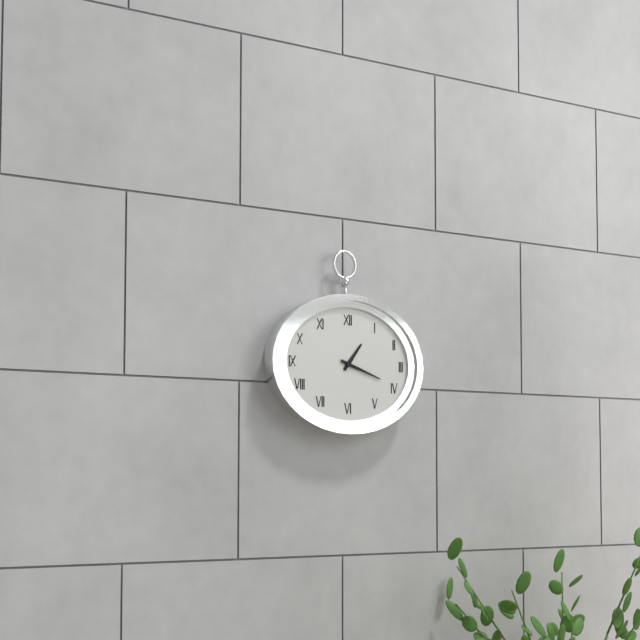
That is 1:18
